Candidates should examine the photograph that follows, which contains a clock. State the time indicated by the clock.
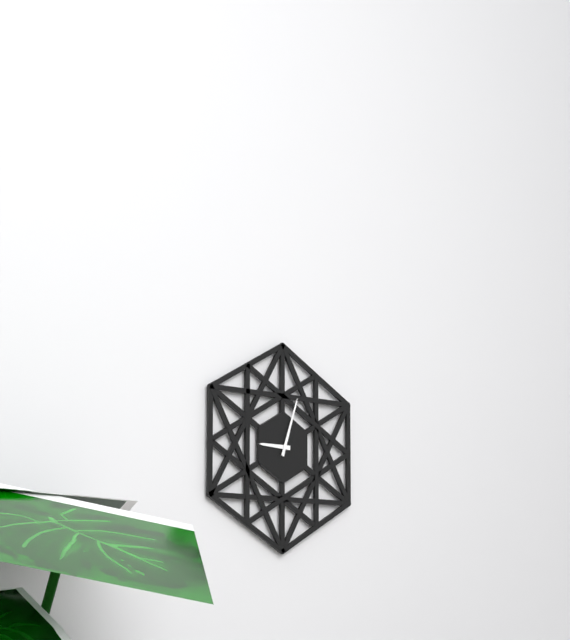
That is 9:03
